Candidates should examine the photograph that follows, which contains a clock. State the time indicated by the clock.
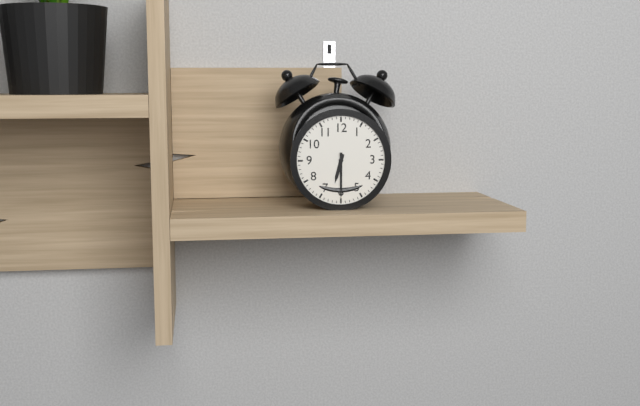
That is 6:30
